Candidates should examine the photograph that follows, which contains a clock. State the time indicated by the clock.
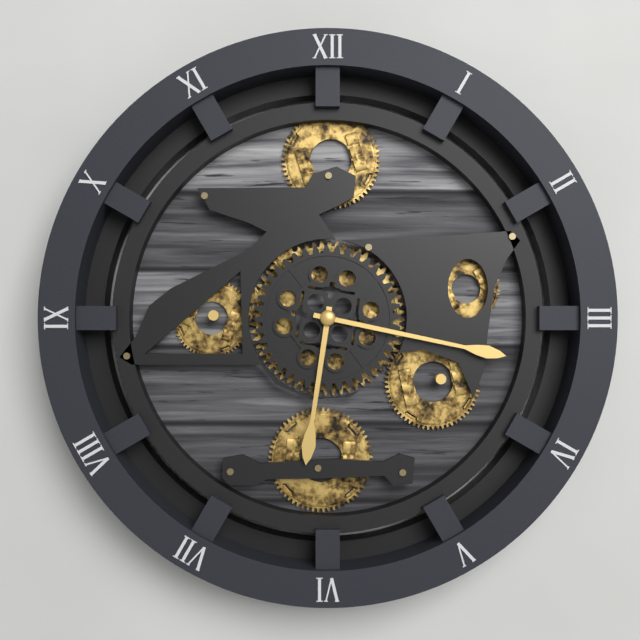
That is 6:17
